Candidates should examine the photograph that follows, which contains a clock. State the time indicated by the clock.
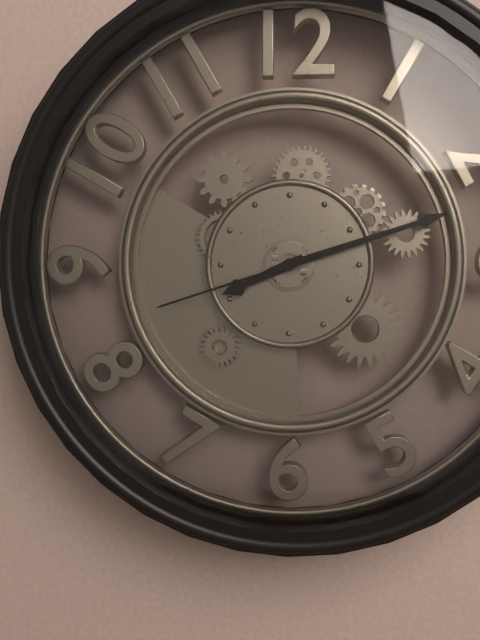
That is 8:12:42
